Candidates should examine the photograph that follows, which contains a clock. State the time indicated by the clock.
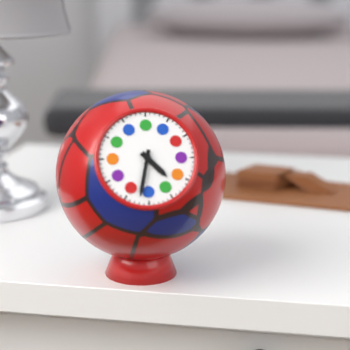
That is 4:32
